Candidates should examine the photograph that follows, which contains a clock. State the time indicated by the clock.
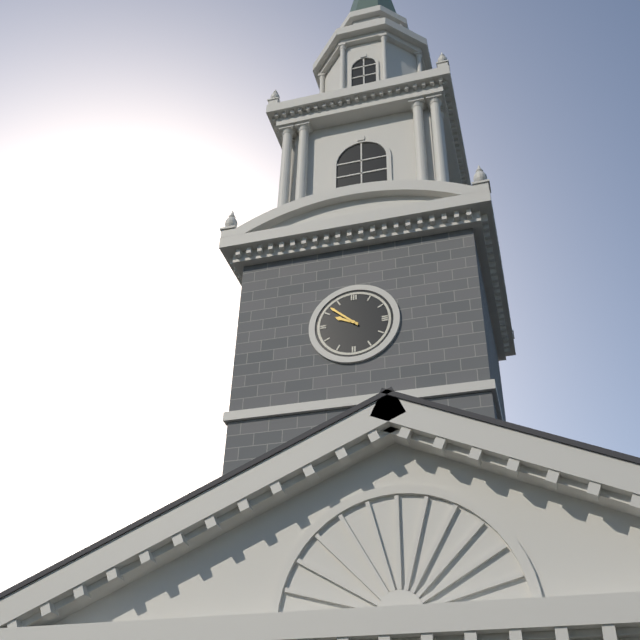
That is 9:52
